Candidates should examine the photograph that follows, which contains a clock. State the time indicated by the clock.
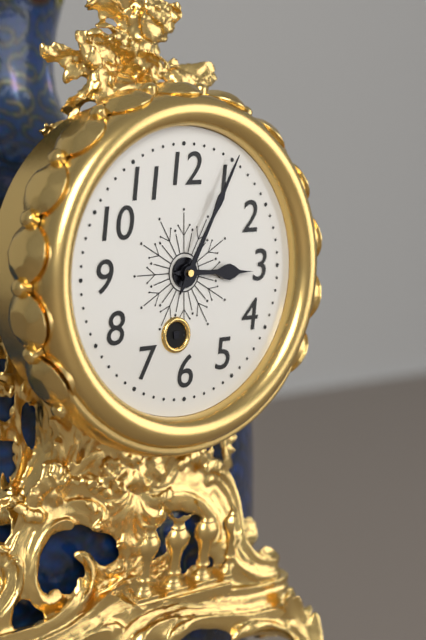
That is 3:05
